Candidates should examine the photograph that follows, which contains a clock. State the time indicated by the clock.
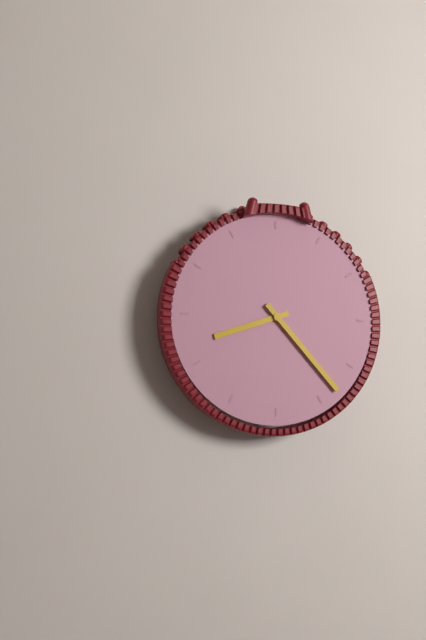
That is 8:23
